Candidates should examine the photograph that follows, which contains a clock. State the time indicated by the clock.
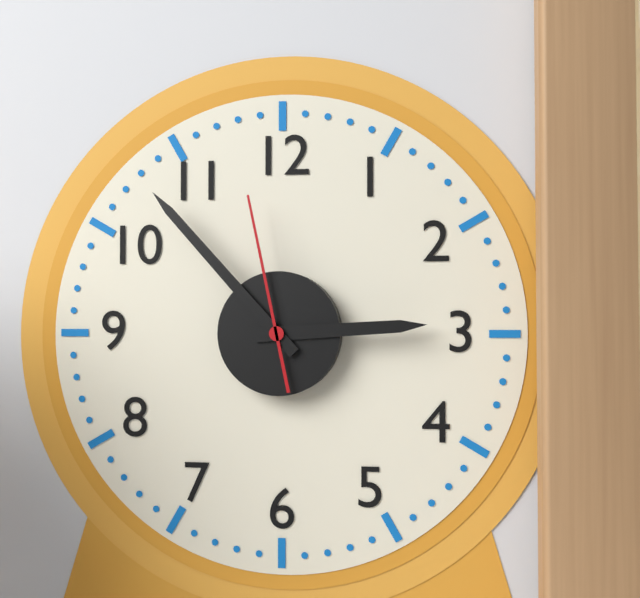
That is 2:53:58
